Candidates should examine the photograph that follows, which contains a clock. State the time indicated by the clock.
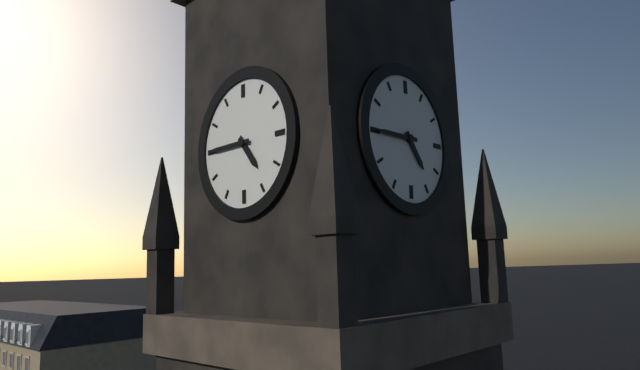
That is 4:45
